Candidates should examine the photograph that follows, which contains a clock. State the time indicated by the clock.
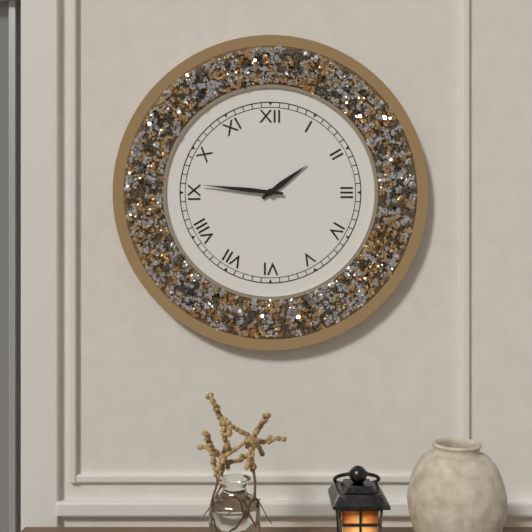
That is 1:46
